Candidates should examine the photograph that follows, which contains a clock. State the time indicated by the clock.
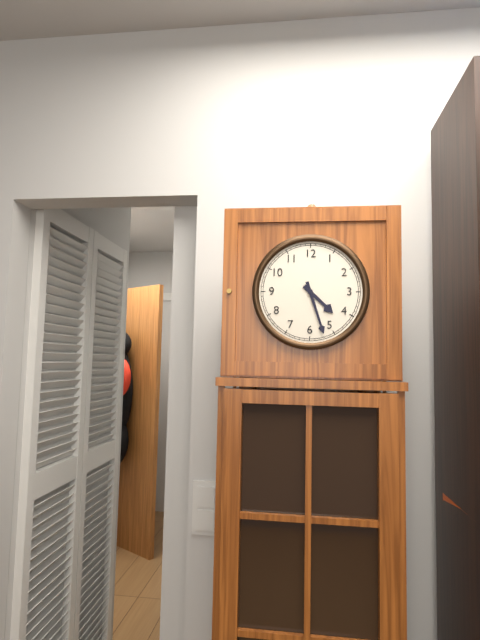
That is 4:27
